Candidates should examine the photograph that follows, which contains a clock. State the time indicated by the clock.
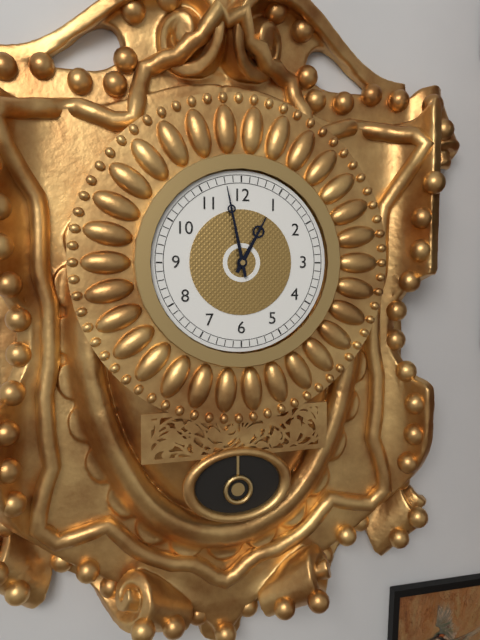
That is 12:58
